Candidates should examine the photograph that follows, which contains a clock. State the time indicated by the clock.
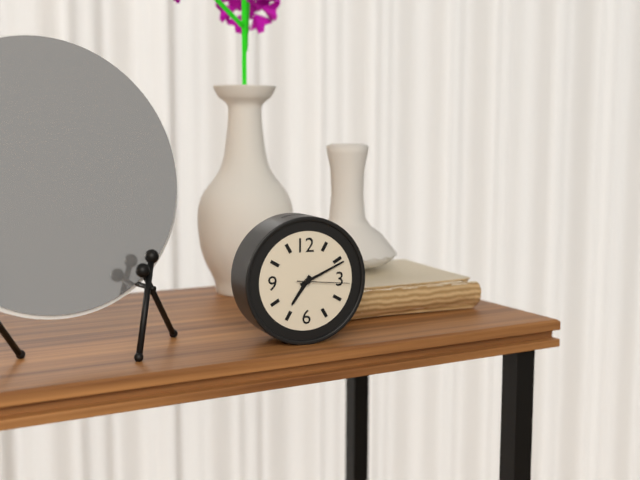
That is 7:11:16
